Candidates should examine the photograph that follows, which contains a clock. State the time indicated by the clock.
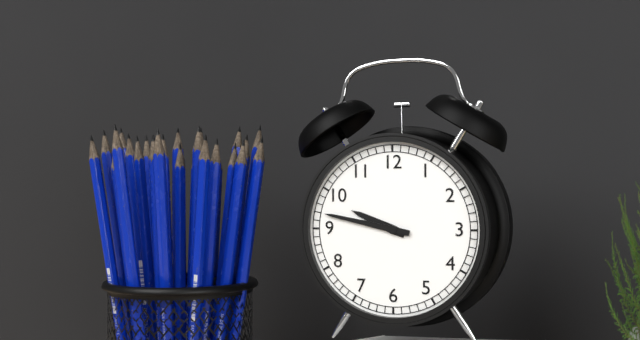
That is 9:47
